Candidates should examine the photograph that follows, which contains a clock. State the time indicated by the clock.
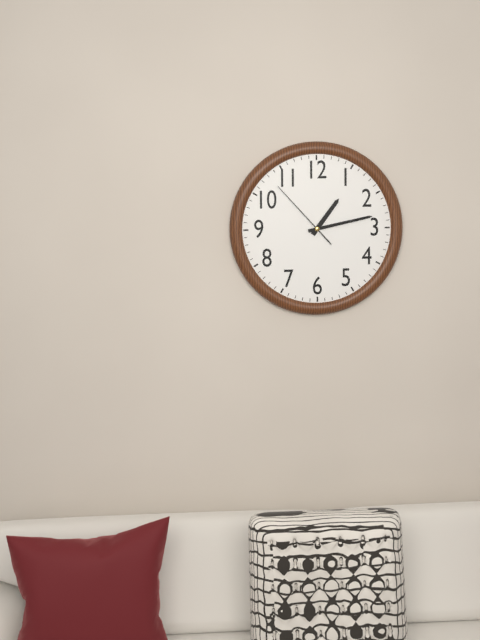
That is 1:13:53
